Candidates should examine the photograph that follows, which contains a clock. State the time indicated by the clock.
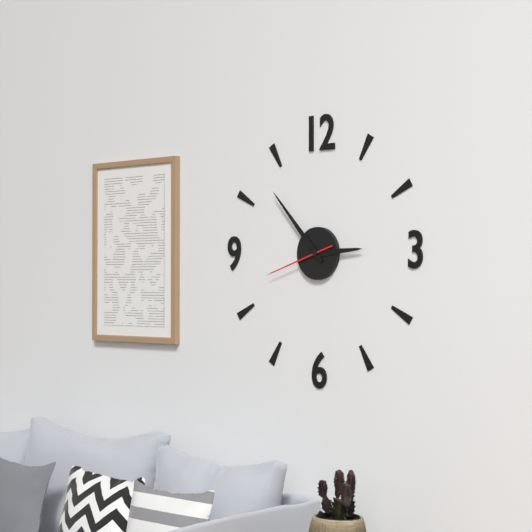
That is 2:53:42
